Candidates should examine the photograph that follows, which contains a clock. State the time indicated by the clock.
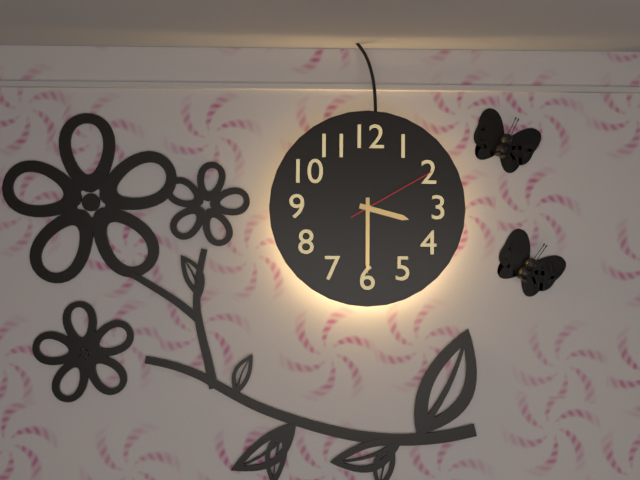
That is 3:30:10
